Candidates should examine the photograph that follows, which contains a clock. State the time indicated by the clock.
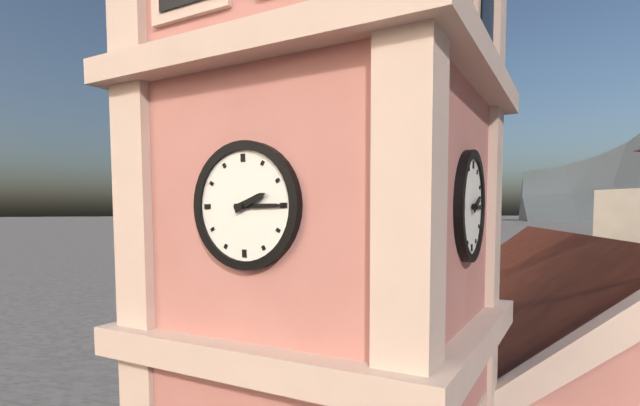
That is 2:15
